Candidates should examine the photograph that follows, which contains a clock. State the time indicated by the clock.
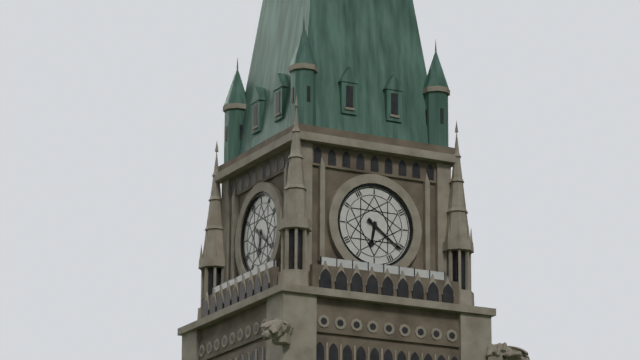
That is 6:21
